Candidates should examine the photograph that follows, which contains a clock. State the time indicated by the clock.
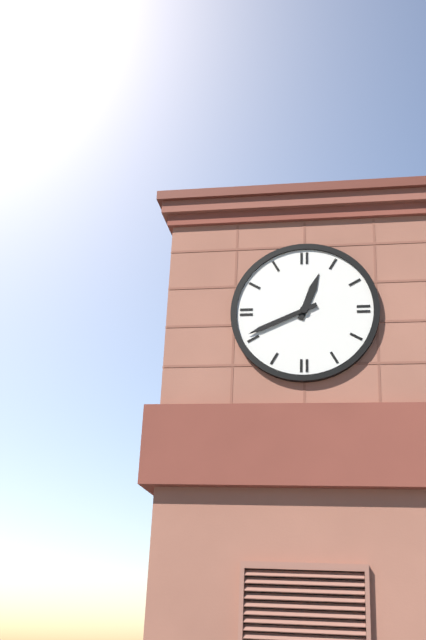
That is 12:41
